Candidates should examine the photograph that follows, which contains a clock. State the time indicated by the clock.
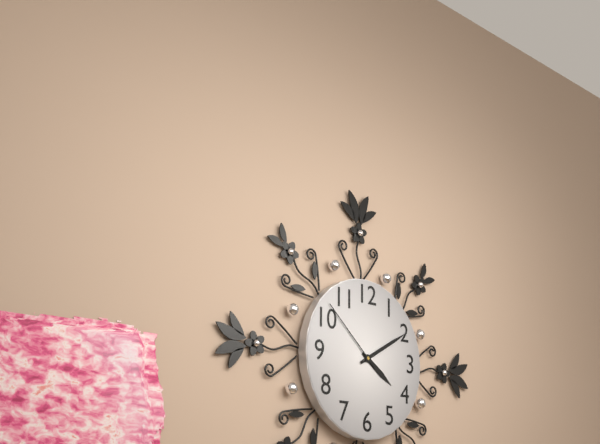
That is 4:10:52
